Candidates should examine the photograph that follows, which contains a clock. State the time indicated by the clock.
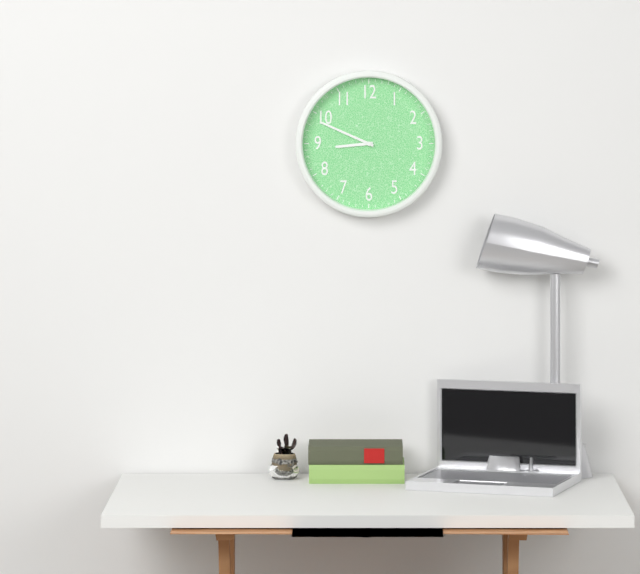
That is 8:49
